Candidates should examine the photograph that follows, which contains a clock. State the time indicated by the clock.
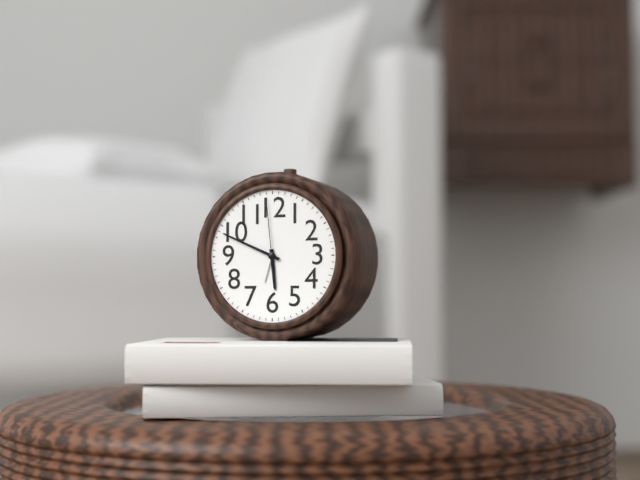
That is 5:49:59
